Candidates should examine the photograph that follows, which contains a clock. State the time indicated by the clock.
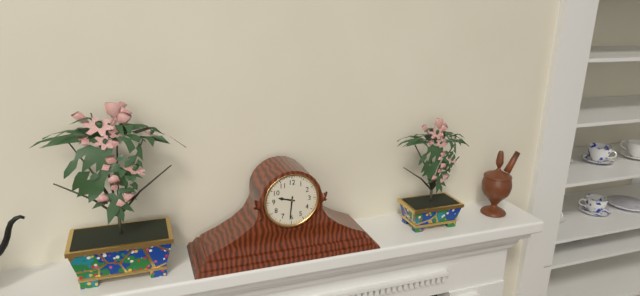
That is 9:31
